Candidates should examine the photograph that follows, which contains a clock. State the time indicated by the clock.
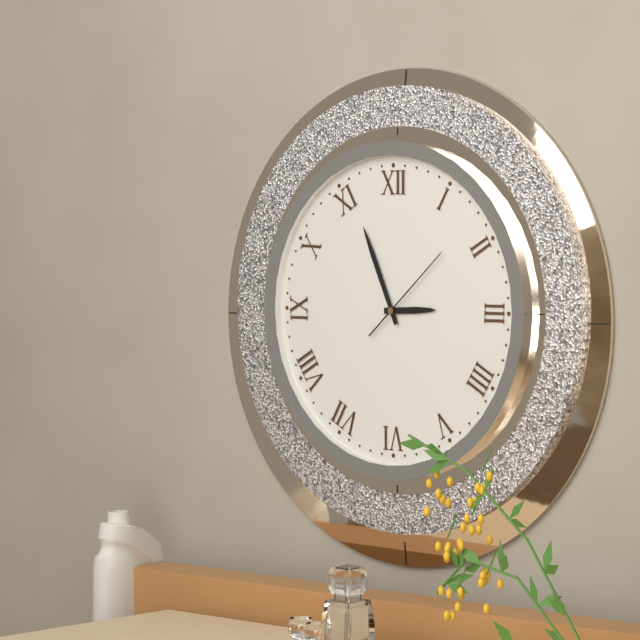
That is 2:56:08
